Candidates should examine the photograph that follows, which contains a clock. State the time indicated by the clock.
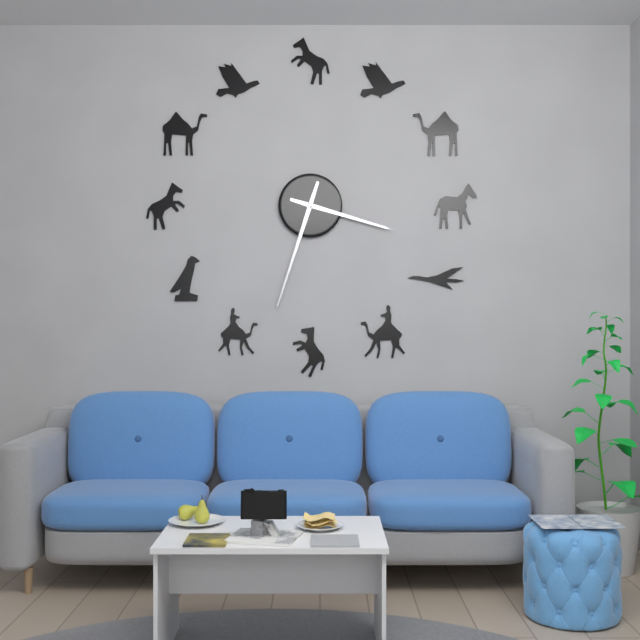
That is 3:33
